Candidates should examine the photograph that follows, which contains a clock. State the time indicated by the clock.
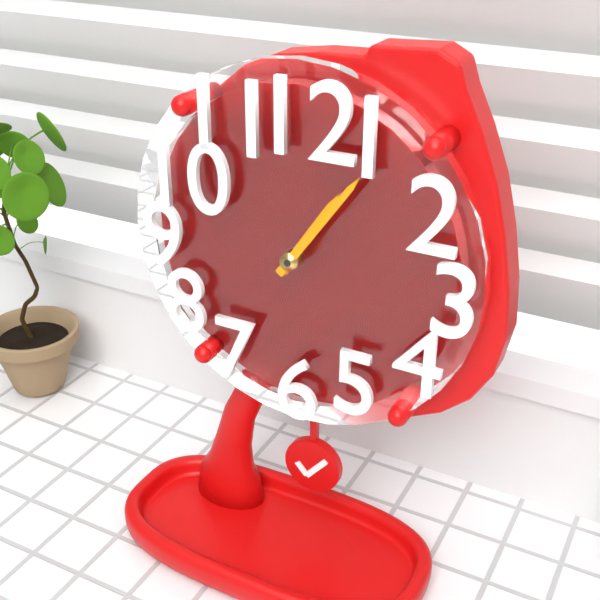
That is 1:06
